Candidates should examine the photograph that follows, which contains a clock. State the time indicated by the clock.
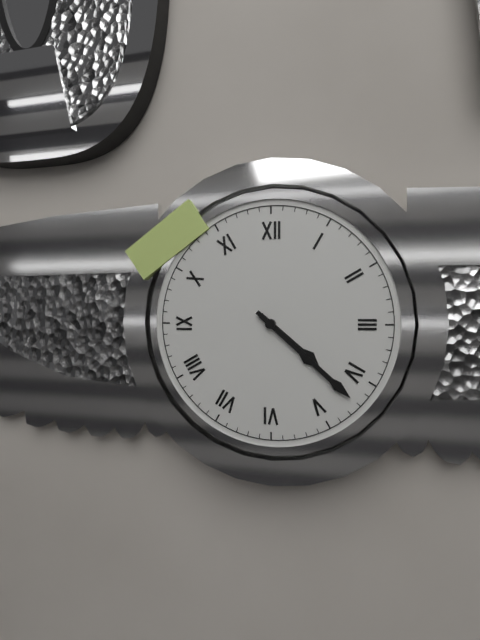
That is 4:22
